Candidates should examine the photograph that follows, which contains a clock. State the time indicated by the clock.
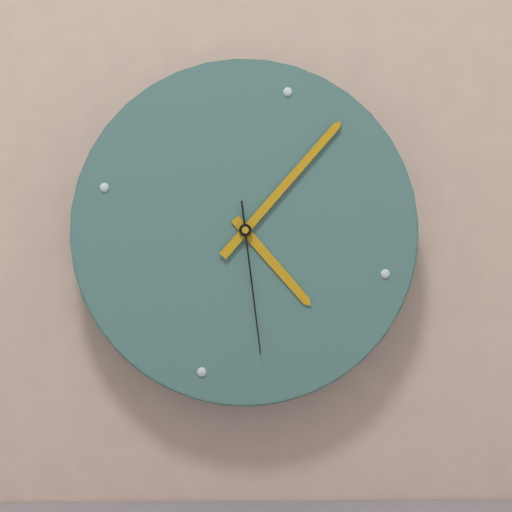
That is 4:04:26
